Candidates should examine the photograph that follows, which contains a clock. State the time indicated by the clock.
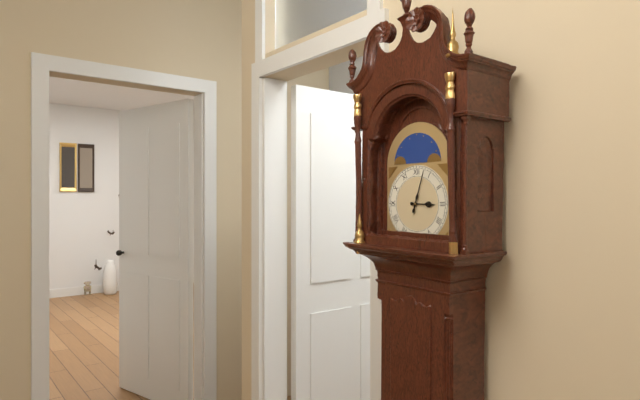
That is 3:03
